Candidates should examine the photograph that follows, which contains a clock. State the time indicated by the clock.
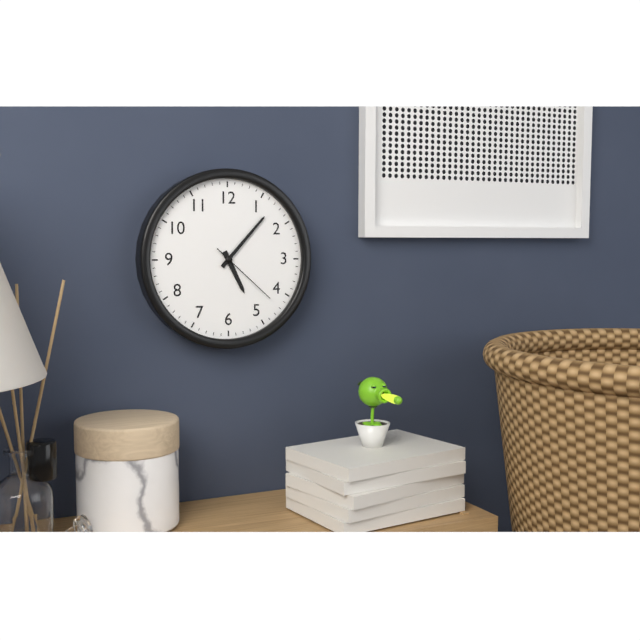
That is 5:07:22
